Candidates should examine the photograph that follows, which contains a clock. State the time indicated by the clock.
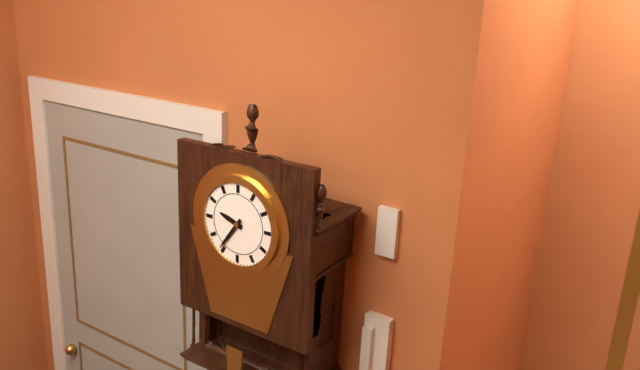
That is 9:36
